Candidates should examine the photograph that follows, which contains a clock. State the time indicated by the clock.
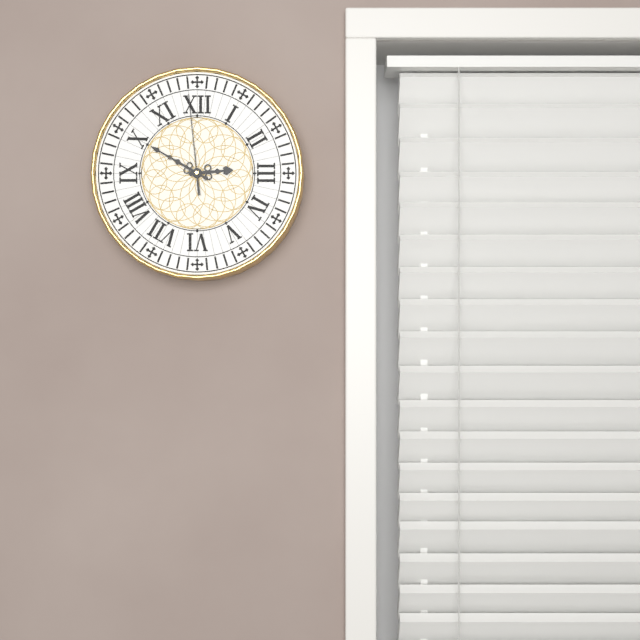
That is 2:50:59
